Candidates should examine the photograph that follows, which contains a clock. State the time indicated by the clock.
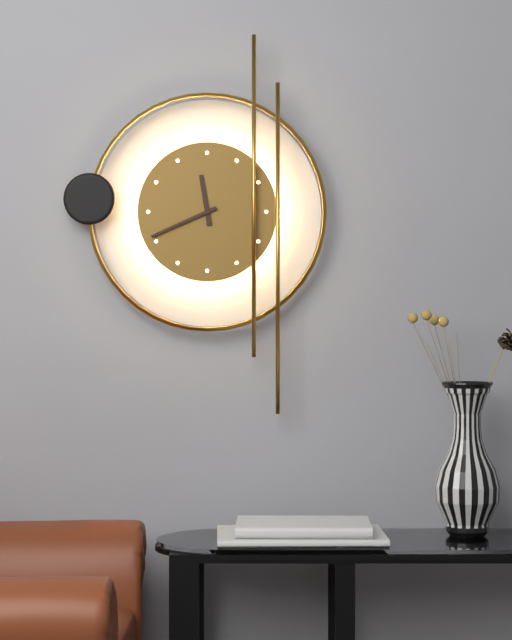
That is 11:41
